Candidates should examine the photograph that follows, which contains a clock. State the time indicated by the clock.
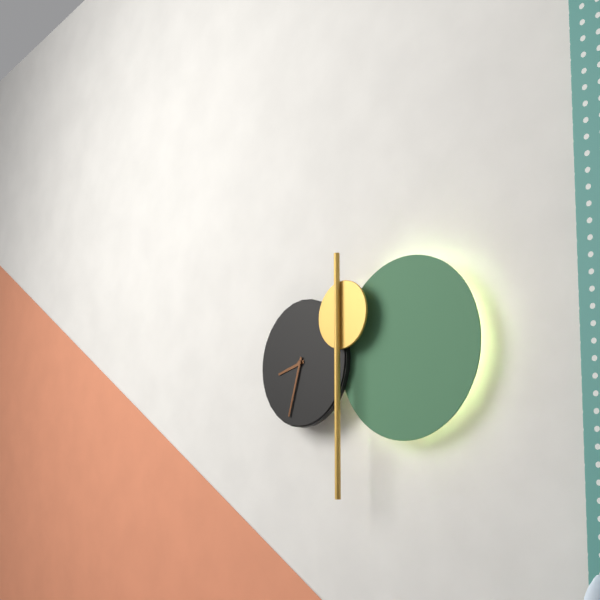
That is 8:33
